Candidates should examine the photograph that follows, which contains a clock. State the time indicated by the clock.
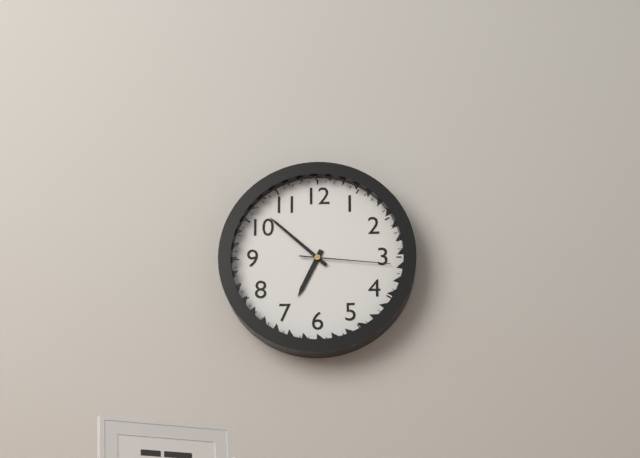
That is 6:52:16
